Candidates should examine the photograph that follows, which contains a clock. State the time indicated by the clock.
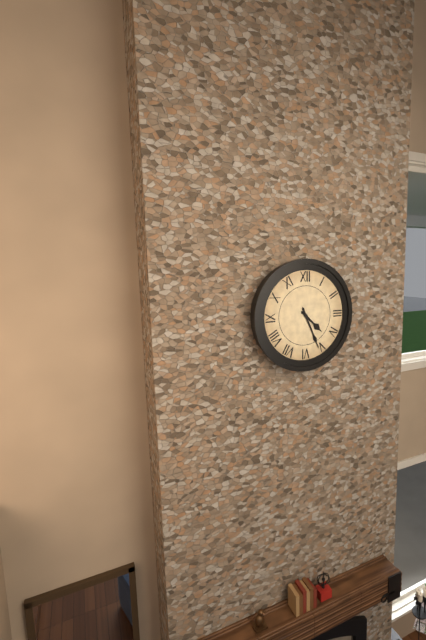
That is 4:26
